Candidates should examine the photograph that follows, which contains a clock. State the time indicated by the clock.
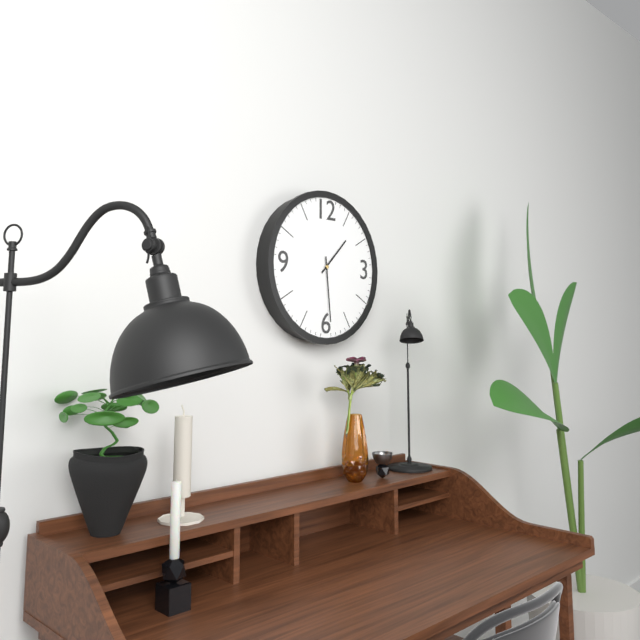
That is 1:29
